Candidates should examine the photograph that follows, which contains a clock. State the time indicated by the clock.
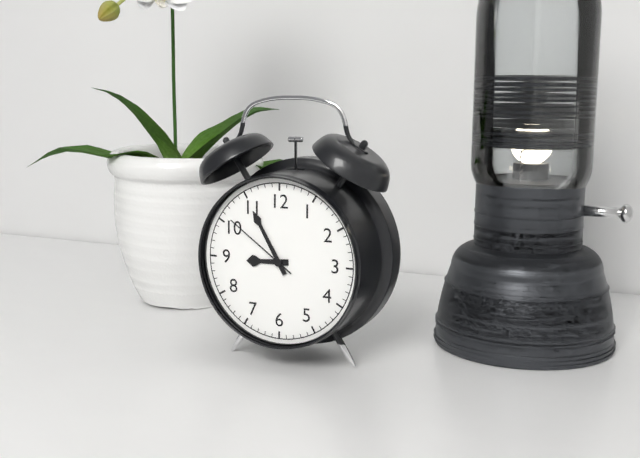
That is 8:55:51
